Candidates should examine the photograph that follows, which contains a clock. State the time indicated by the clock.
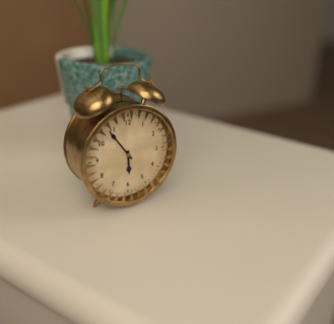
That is 5:54
